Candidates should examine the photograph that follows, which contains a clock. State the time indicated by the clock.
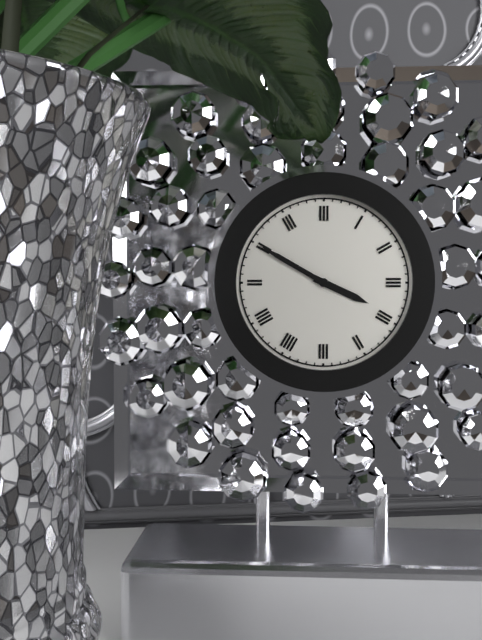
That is 3:50
